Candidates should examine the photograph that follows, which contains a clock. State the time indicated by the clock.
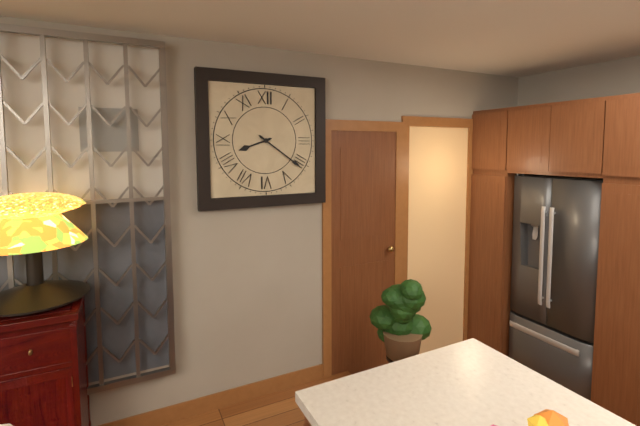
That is 8:21
